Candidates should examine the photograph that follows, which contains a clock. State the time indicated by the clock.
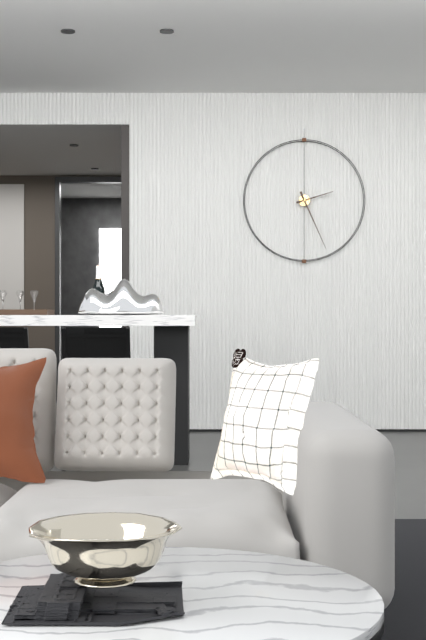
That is 2:26
